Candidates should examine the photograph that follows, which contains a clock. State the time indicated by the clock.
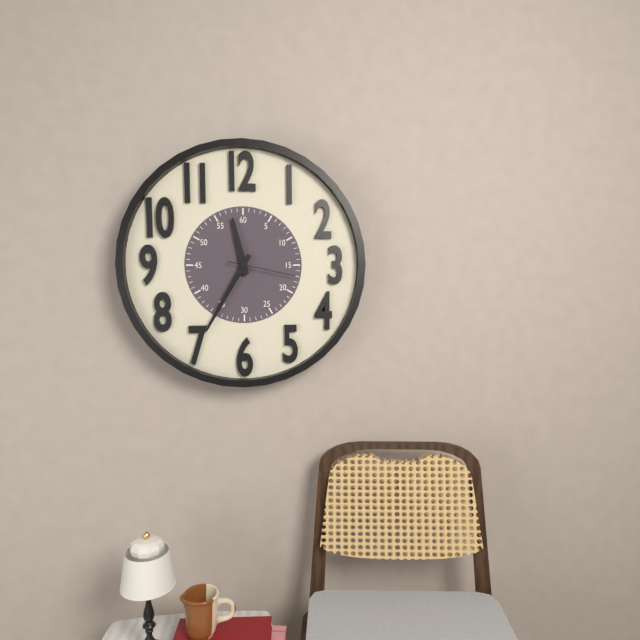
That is 11:35:17
